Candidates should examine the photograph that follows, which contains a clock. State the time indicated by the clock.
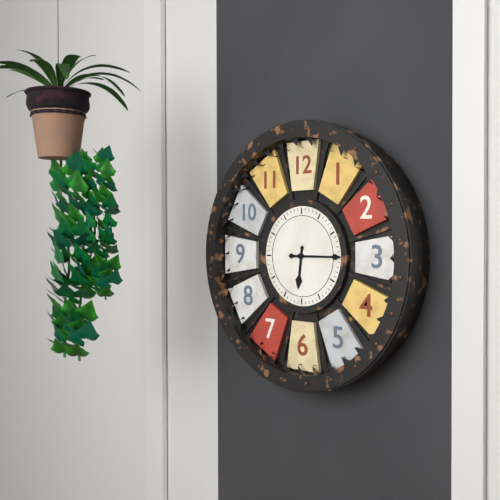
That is 6:15
